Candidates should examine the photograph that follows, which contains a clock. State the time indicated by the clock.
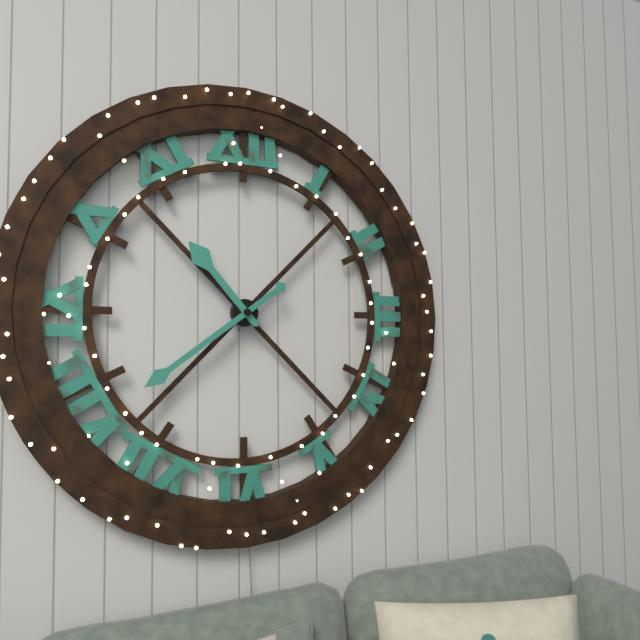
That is 10:39
